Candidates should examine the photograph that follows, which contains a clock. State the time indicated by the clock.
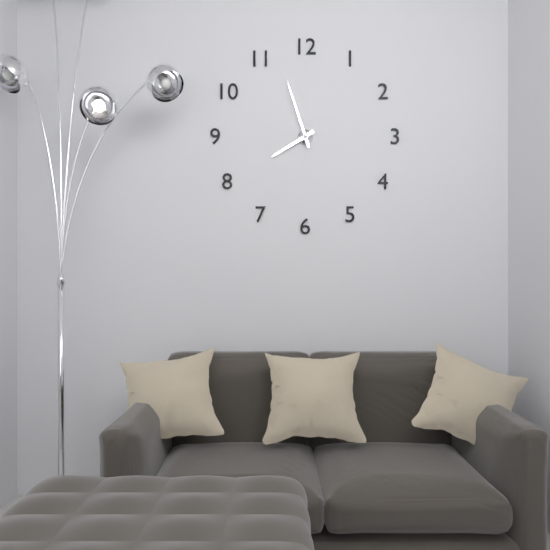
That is 7:57
